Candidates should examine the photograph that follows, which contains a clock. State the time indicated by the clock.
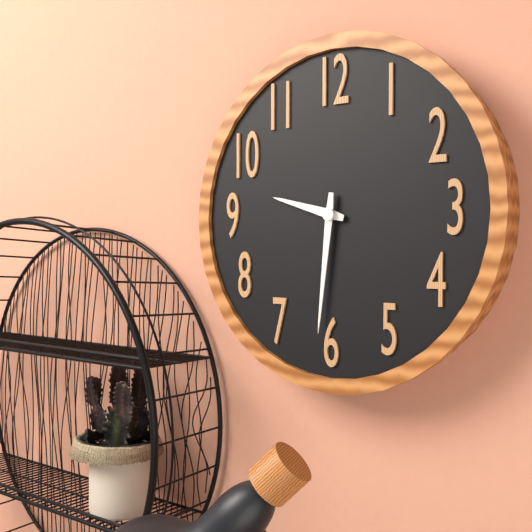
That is 9:31
